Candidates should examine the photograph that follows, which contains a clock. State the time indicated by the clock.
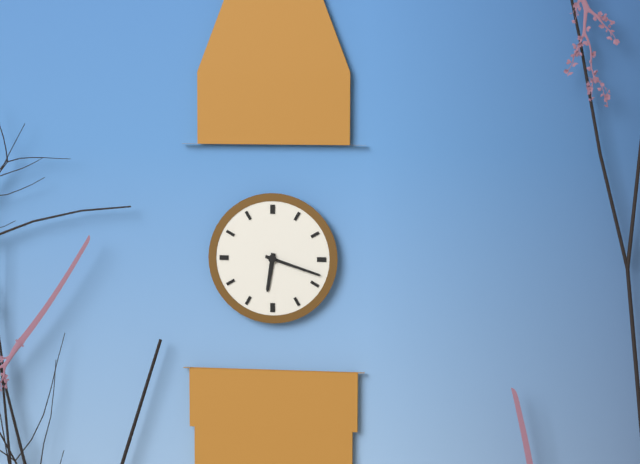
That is 6:18
